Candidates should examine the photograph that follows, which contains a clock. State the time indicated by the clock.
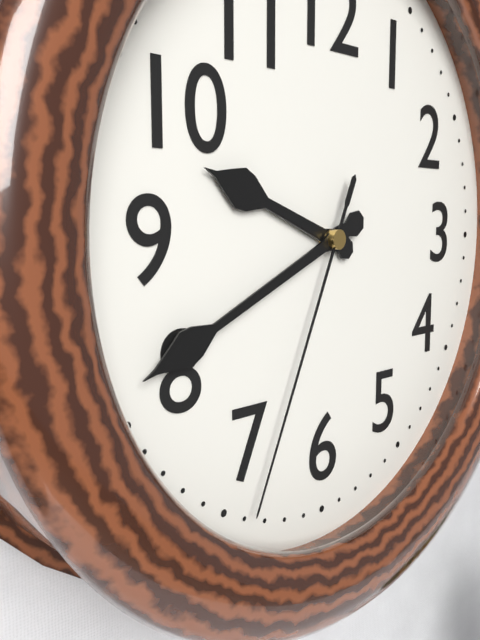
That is 9:41:34
